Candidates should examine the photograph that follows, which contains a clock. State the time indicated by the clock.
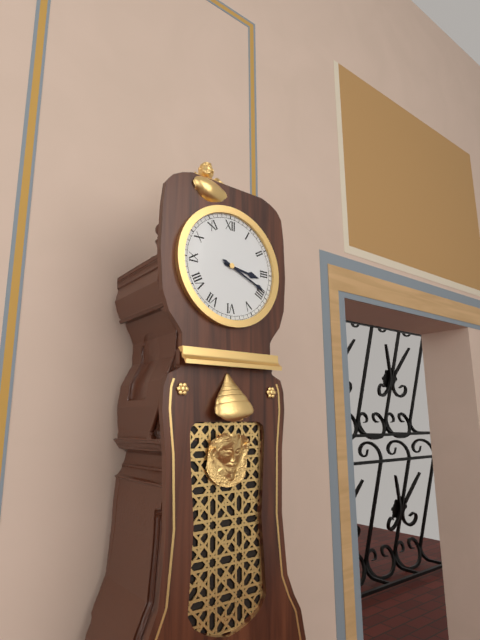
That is 3:19
